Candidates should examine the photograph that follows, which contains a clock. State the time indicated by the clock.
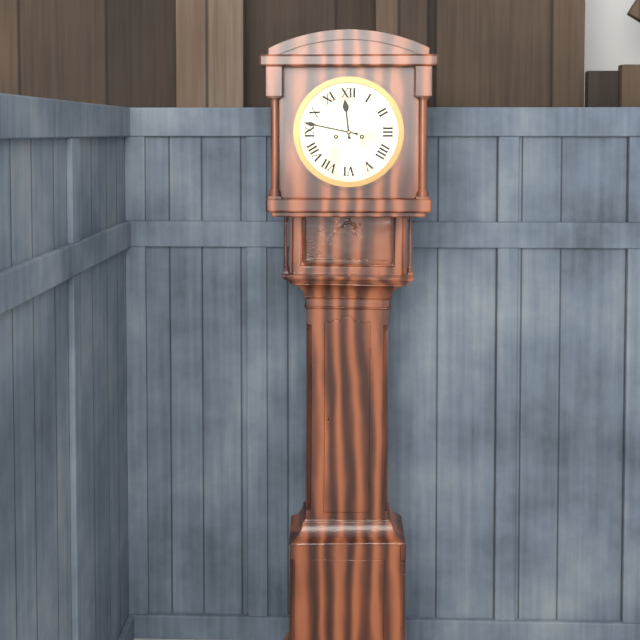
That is 11:47
